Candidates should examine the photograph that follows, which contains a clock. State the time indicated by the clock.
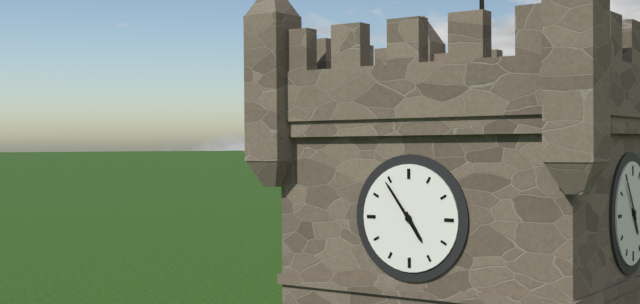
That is 4:54
